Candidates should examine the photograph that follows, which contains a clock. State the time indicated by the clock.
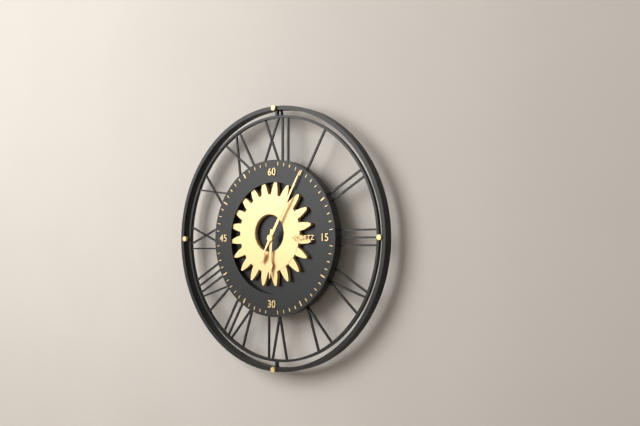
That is 6:05
